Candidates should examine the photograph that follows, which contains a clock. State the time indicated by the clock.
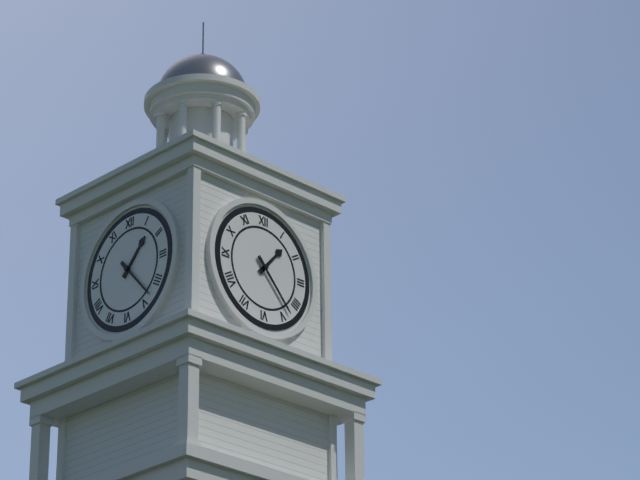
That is 1:23
